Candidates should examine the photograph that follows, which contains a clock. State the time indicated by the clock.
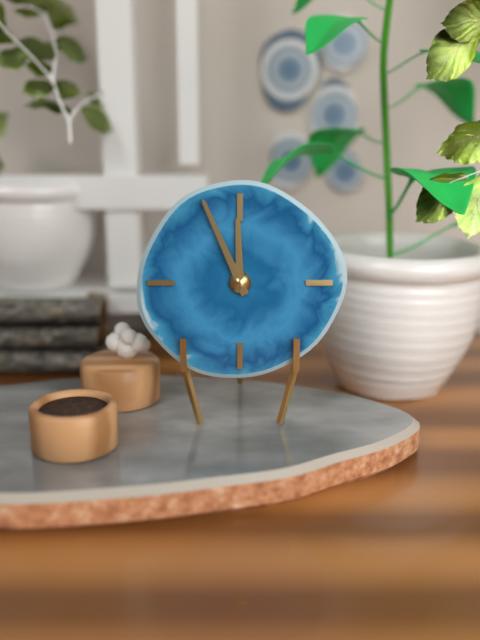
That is 11:56
